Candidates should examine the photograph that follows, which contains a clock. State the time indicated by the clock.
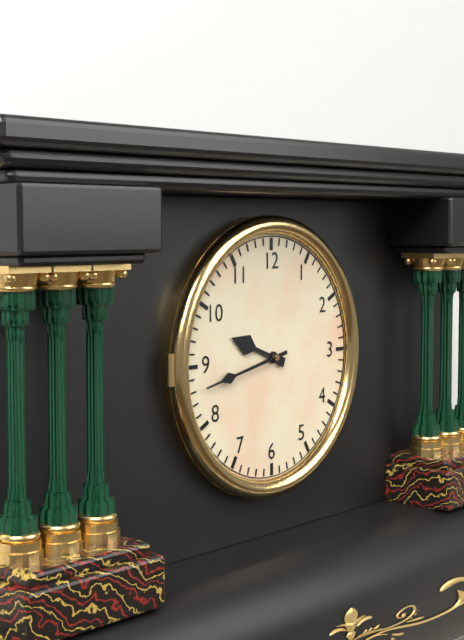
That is 9:43
